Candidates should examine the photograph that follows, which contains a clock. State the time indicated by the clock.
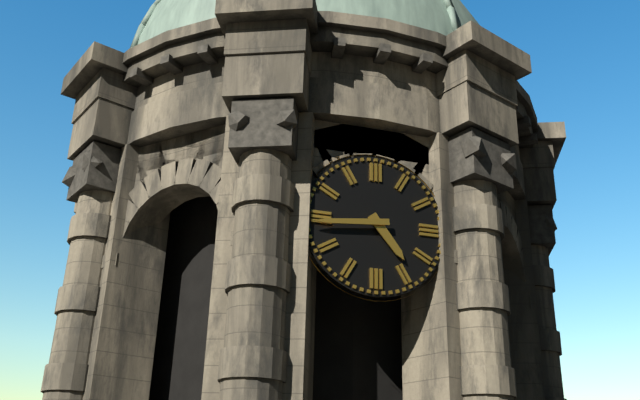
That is 4:44
